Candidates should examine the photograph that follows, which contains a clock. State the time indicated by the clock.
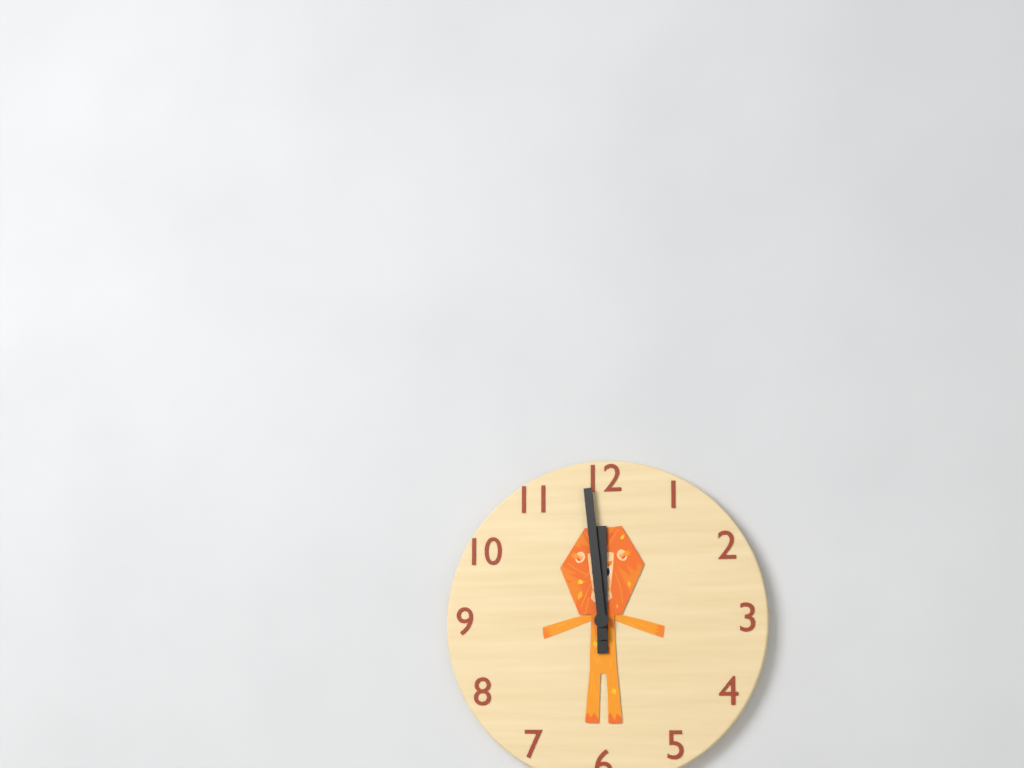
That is 11:59
